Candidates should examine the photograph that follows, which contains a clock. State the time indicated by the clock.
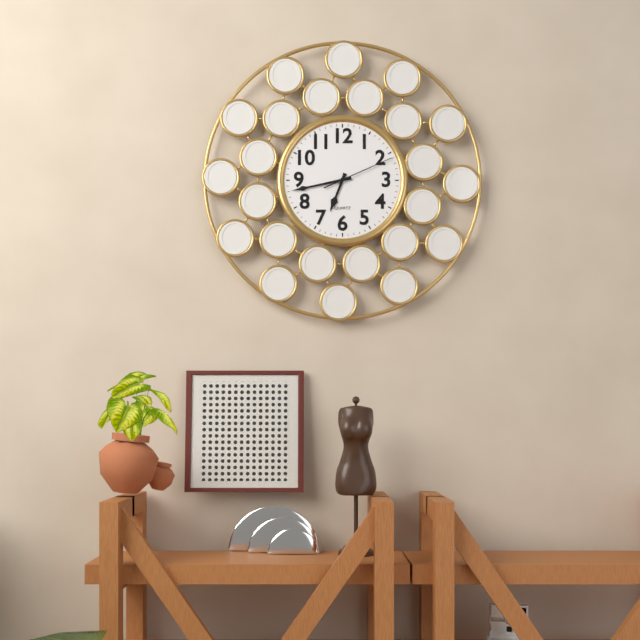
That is 6:43:11
